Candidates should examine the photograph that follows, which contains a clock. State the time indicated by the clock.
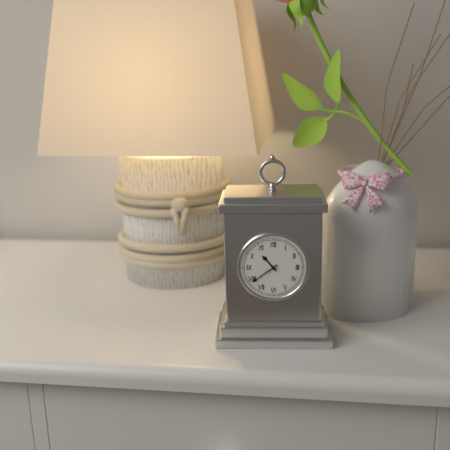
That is 10:39
